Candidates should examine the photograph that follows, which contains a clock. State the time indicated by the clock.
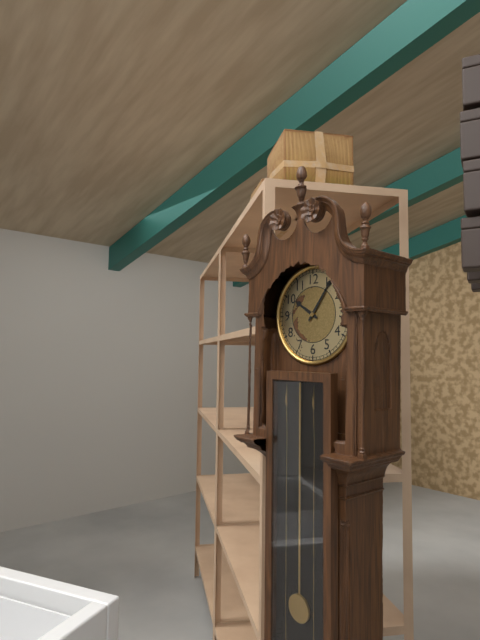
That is 10:06
